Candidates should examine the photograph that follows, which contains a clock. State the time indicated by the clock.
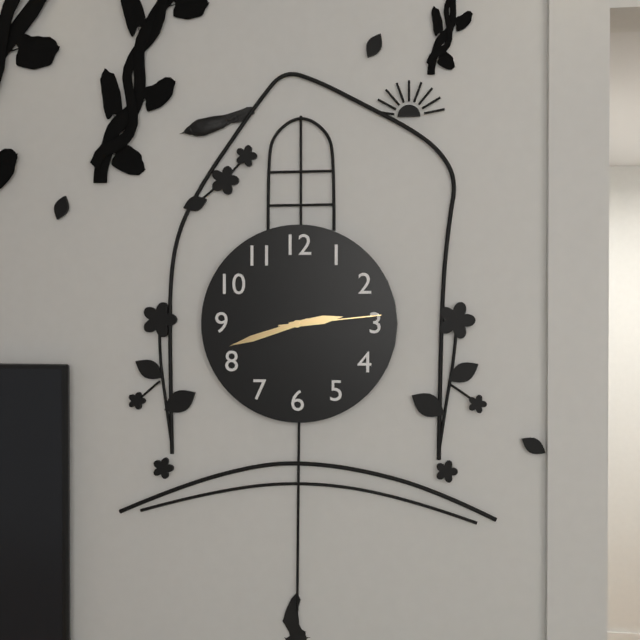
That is 2:42:14
